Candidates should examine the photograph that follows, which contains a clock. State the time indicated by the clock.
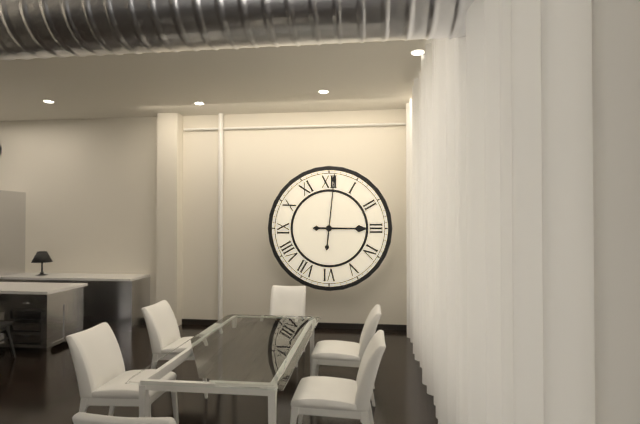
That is 3:01
